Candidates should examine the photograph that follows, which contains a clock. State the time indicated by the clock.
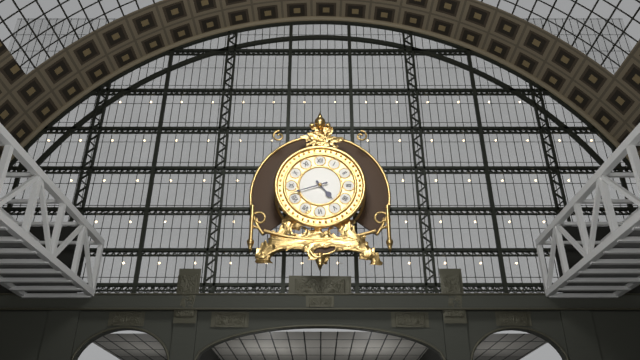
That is 4:42
